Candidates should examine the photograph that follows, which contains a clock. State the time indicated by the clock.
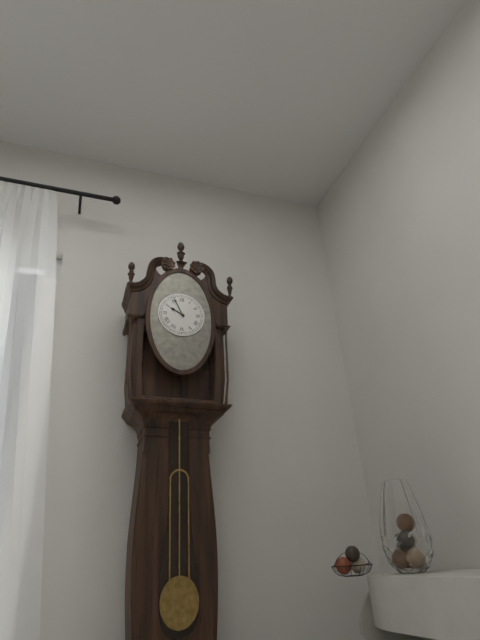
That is 9:56
